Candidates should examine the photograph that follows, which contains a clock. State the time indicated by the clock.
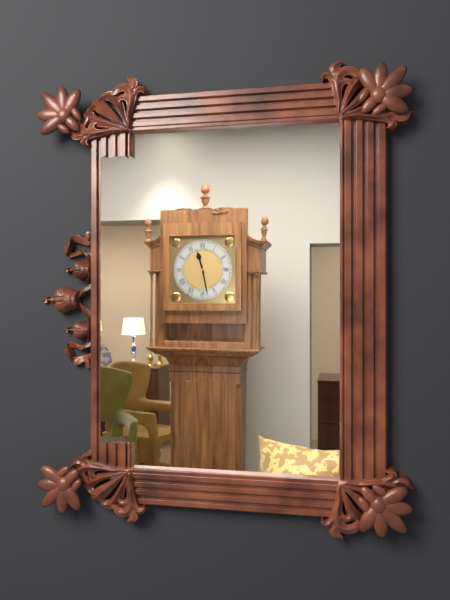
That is 11:28
